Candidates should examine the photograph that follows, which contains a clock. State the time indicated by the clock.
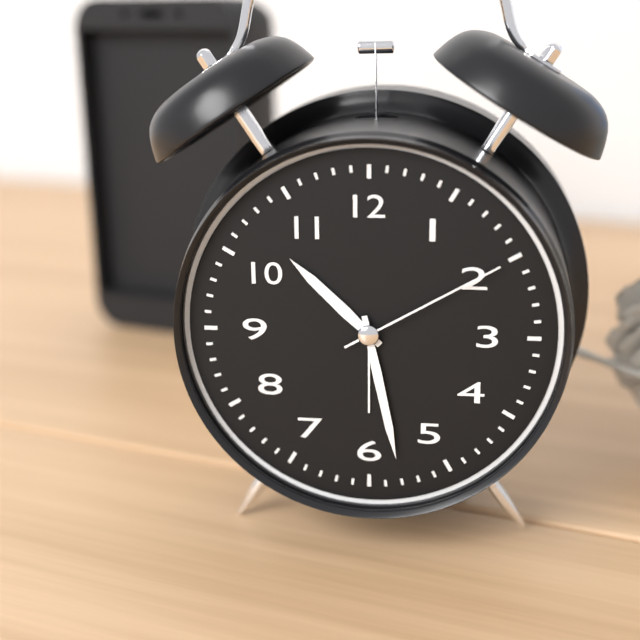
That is 10:28:10
